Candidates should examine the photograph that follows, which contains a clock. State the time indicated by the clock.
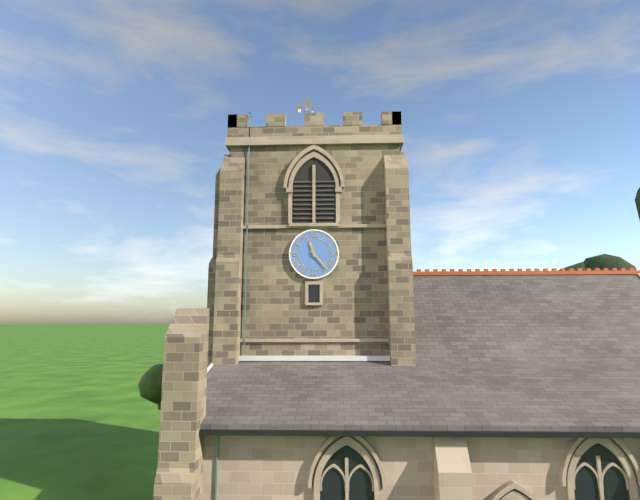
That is 11:23
